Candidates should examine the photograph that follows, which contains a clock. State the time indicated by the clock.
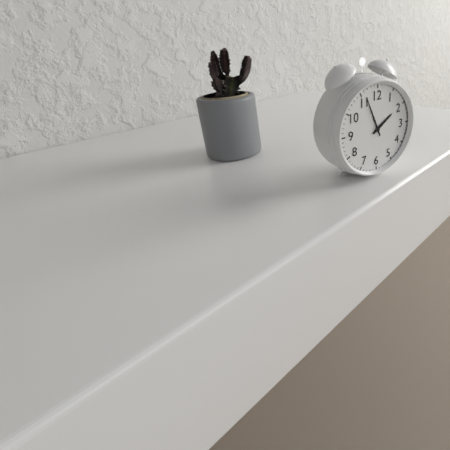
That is 1:56
